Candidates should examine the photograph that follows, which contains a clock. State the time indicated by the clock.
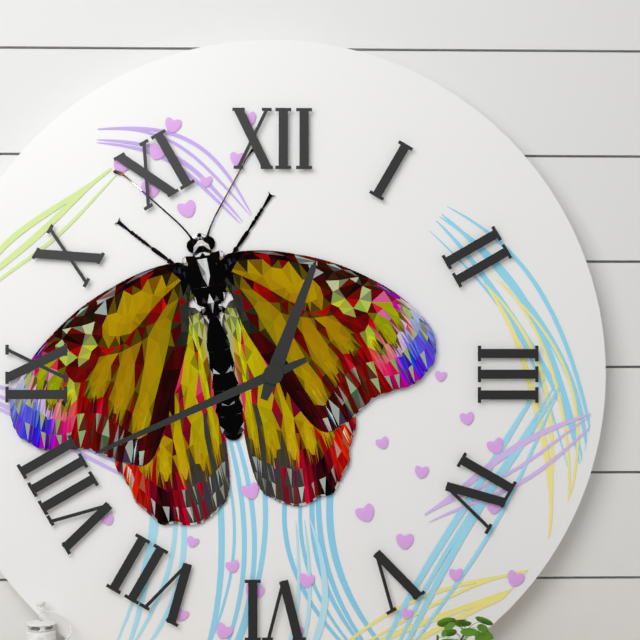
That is 12:41
